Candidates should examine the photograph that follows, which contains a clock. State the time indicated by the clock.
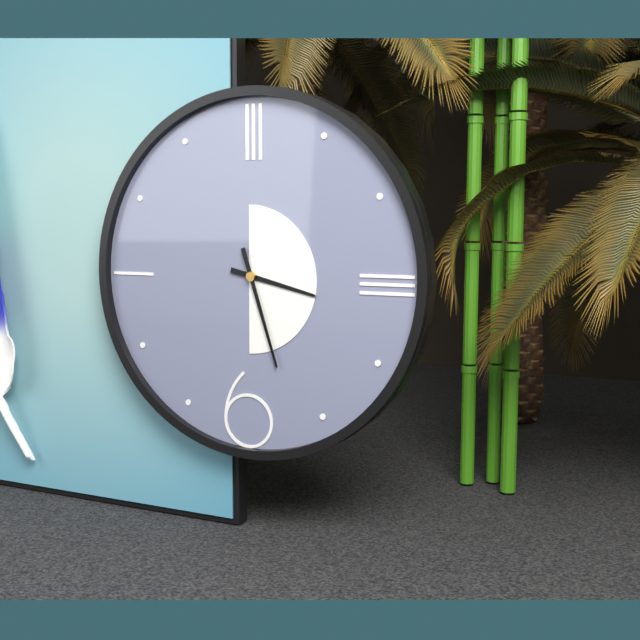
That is 3:27
